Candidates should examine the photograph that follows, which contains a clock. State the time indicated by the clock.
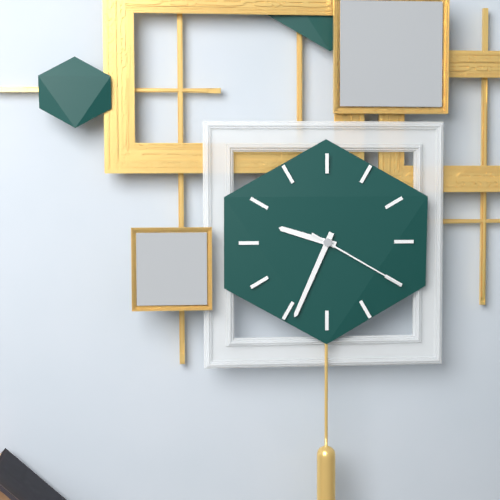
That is 9:34:20
